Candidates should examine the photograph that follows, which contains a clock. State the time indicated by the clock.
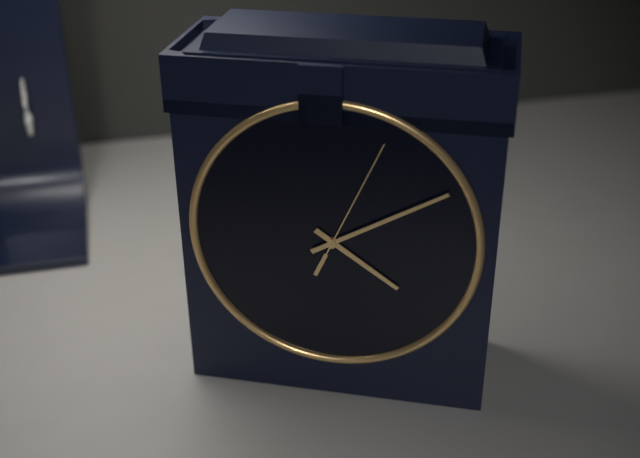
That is 4:10:04
